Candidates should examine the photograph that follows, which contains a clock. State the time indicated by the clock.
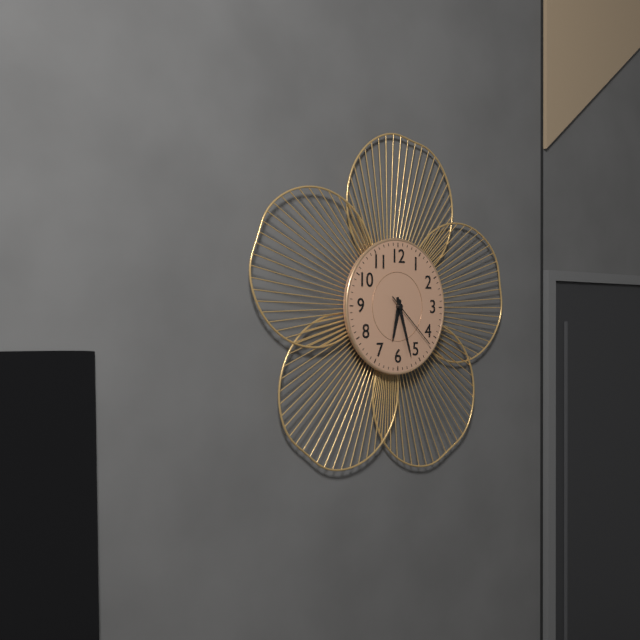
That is 6:27:22
